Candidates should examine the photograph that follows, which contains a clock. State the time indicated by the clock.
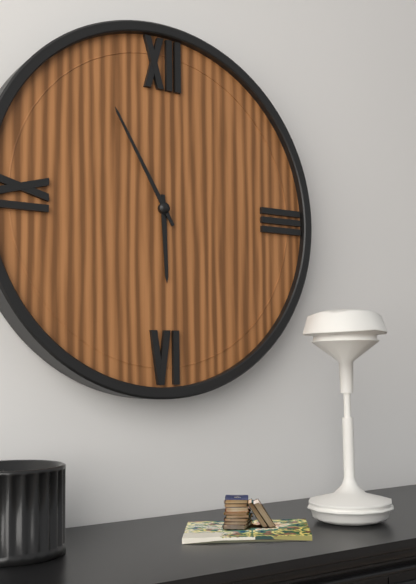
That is 5:55
